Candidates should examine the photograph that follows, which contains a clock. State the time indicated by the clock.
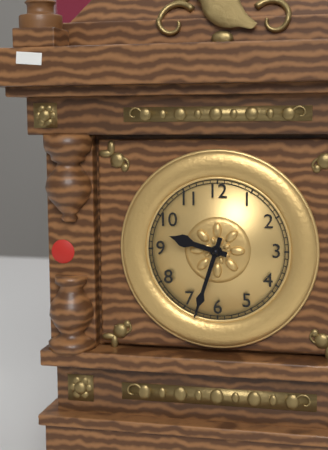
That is 9:33
